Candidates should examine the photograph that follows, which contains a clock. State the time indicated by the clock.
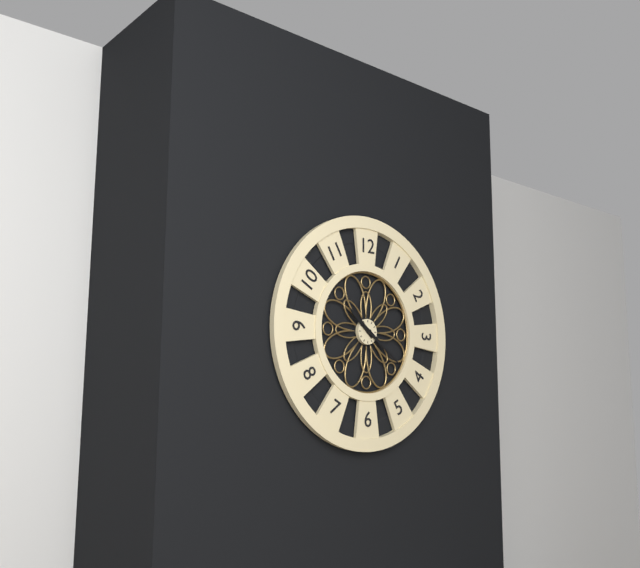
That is 10:21
